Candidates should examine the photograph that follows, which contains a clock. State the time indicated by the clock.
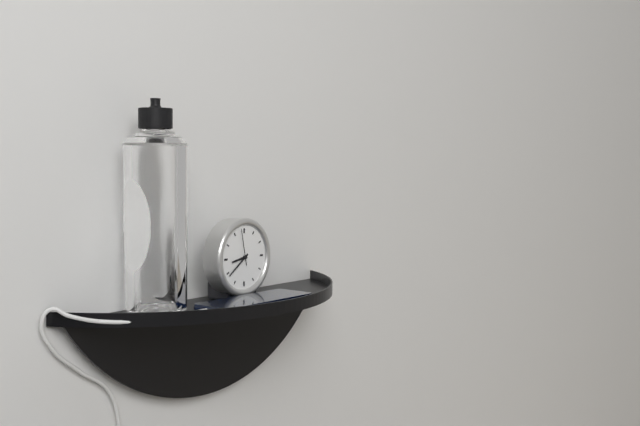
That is 8:39
